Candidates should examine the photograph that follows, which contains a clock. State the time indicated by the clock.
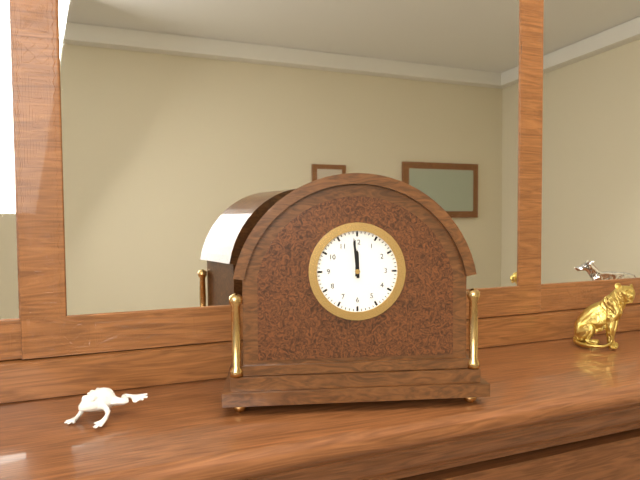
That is 11:59
